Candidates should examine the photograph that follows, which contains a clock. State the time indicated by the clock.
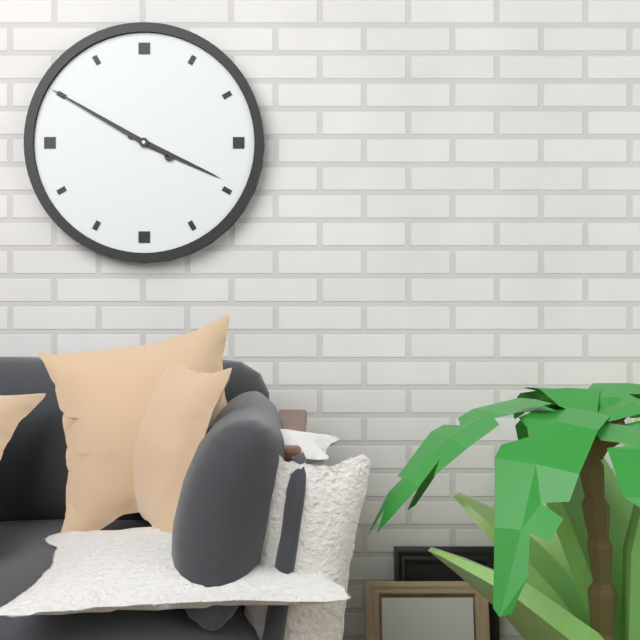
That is 3:50
